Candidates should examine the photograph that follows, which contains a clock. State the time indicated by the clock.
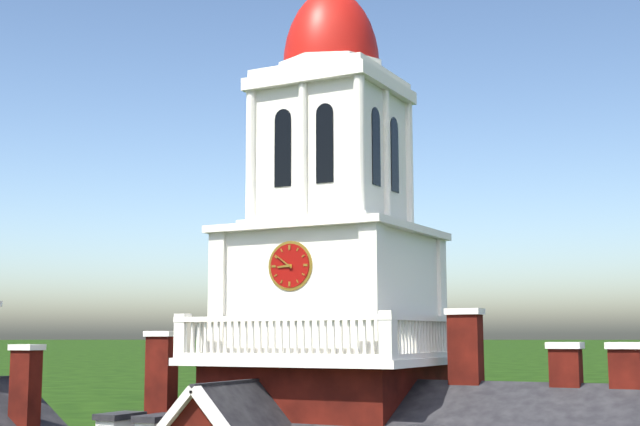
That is 8:51
